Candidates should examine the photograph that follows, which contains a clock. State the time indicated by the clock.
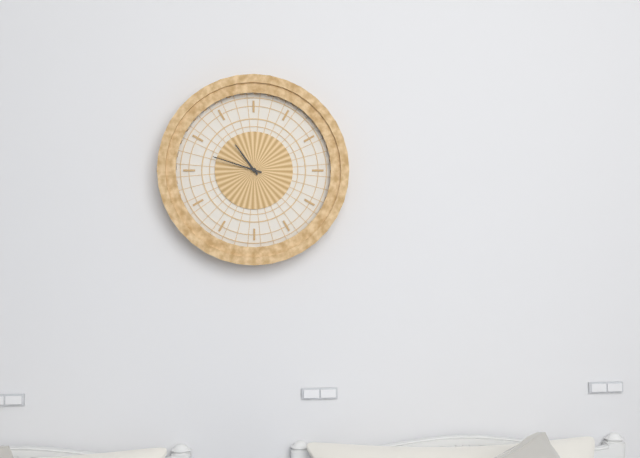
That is 10:48
